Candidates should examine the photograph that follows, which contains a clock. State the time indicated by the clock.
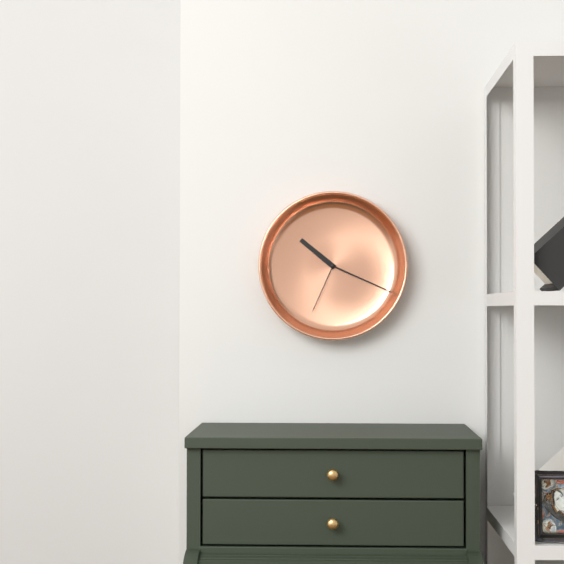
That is 10:19:34
